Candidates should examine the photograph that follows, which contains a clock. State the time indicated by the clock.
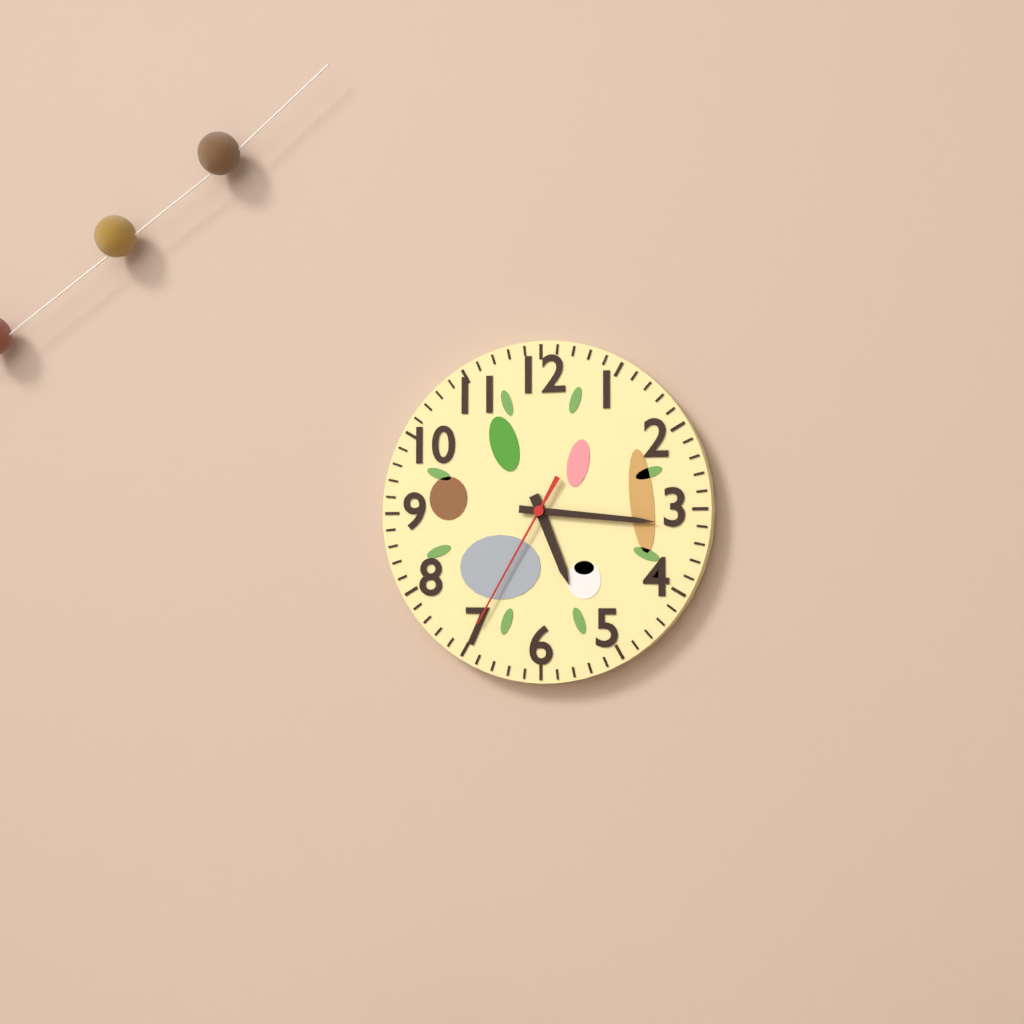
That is 5:16:35
